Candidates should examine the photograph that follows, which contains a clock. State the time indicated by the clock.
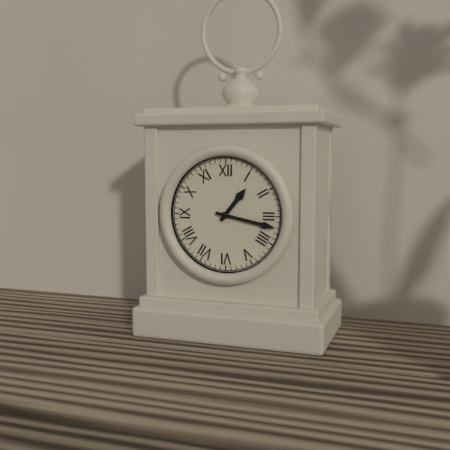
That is 1:17
